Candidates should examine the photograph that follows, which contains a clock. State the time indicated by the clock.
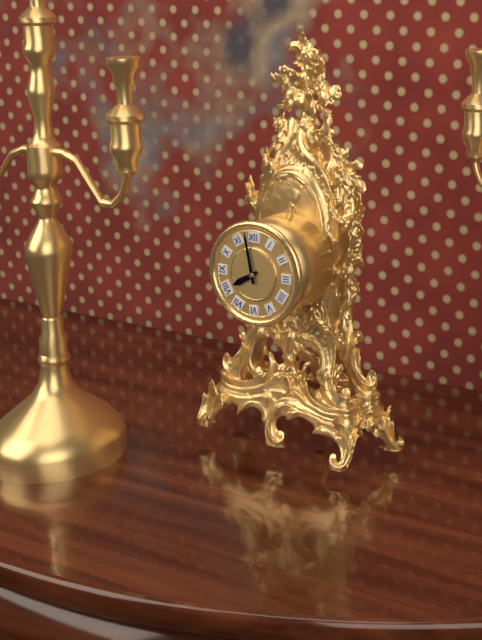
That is 7:58
